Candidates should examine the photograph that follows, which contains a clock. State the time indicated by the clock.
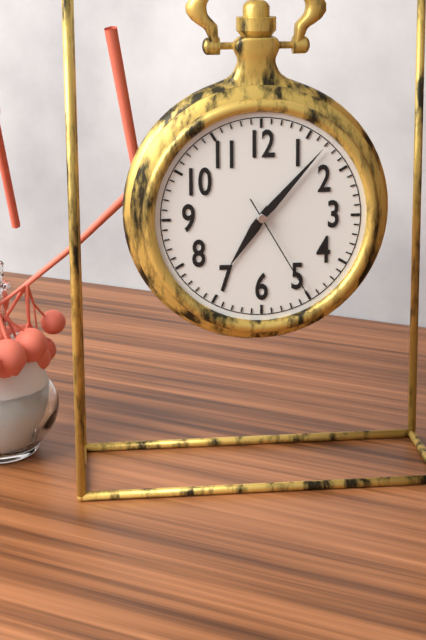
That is 7:07:25
